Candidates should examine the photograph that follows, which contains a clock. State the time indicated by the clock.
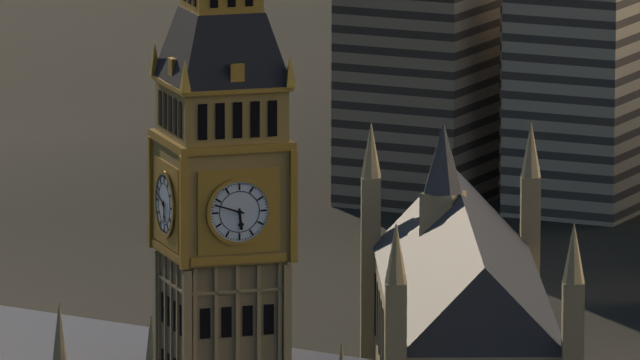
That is 5:48
